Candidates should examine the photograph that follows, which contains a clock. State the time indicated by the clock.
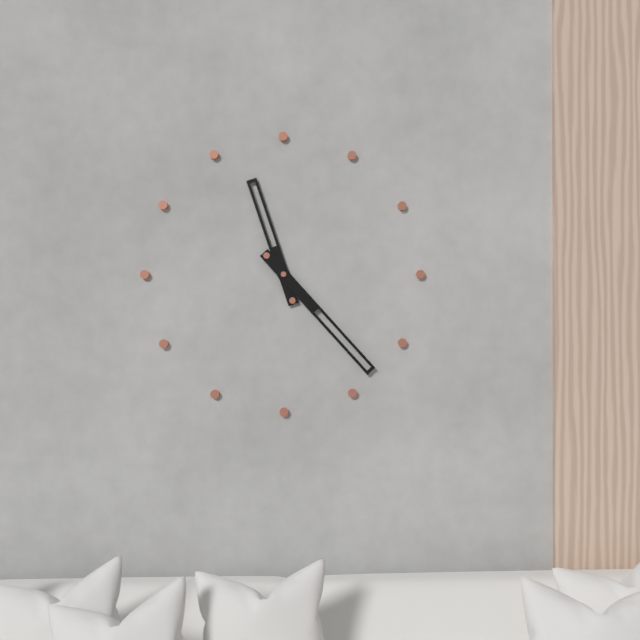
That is 11:23
